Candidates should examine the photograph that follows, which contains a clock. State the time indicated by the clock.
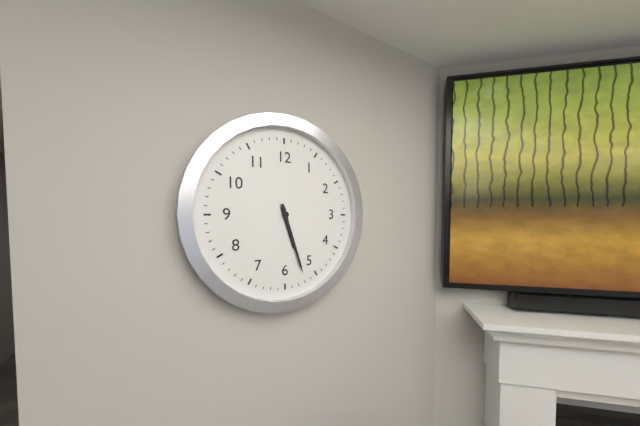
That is 5:27
